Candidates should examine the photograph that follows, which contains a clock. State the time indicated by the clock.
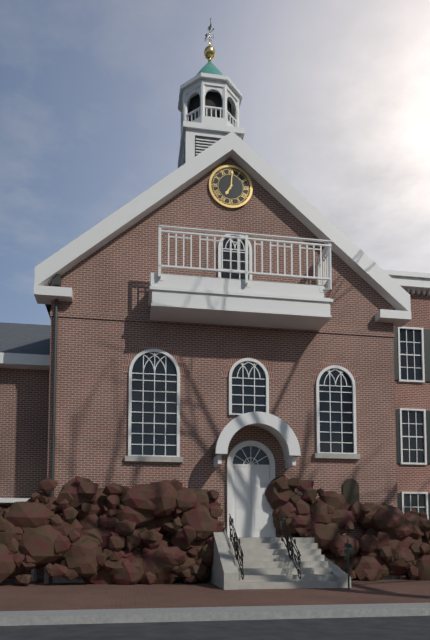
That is 7:01
